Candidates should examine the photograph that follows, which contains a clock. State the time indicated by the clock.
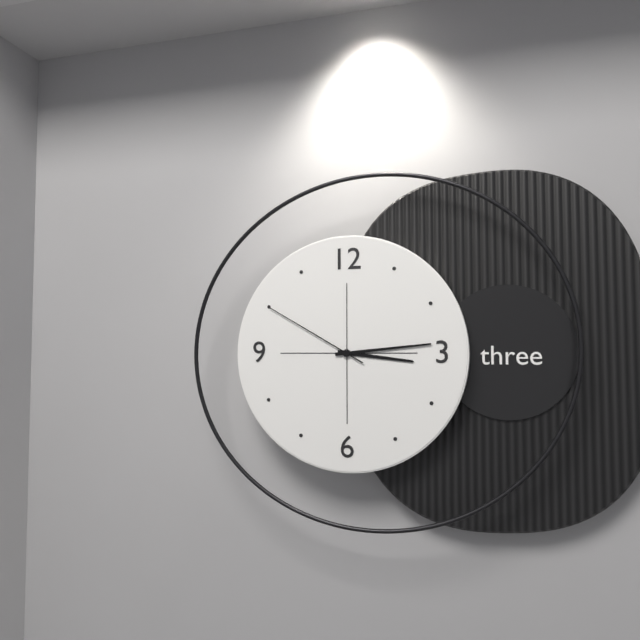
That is 3:14:50
